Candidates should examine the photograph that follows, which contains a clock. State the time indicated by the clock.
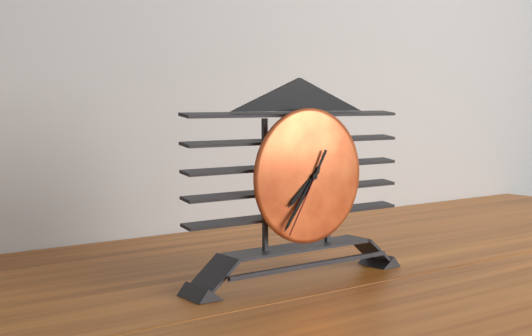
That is 7:36:35
